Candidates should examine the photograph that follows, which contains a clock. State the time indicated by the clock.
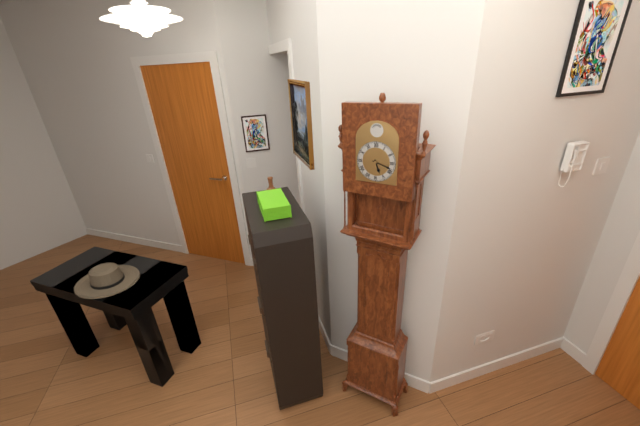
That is 5:18
